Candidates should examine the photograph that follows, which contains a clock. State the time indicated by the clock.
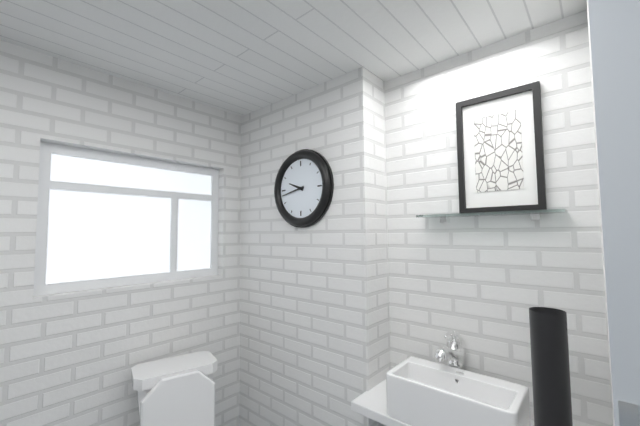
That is 9:43
